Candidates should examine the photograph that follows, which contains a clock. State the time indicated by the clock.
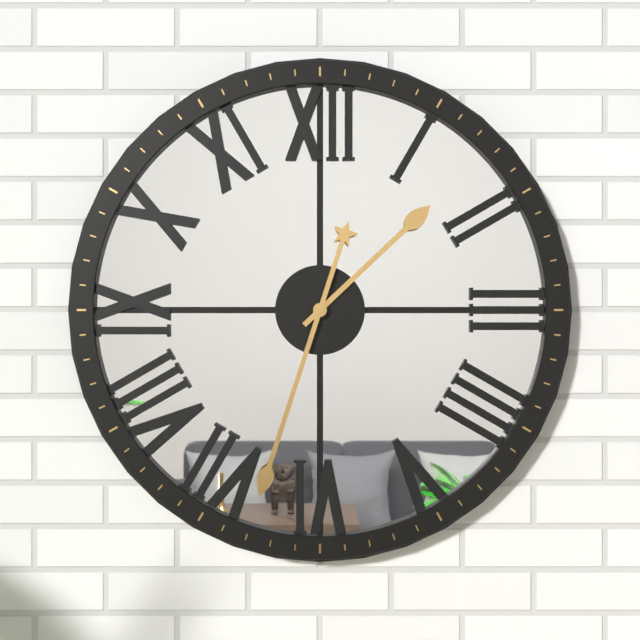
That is 1:33
